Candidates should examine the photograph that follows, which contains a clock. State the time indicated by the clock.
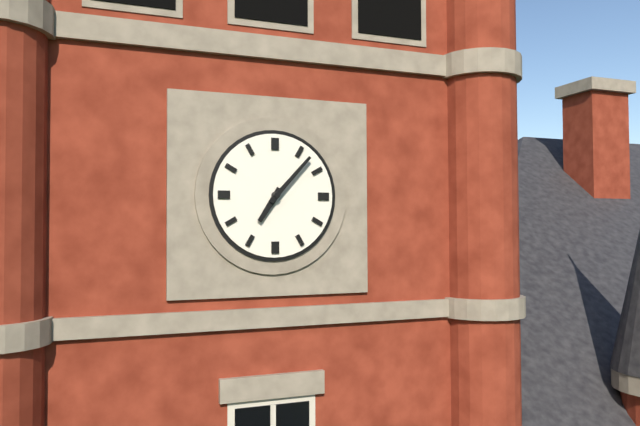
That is 7:07
